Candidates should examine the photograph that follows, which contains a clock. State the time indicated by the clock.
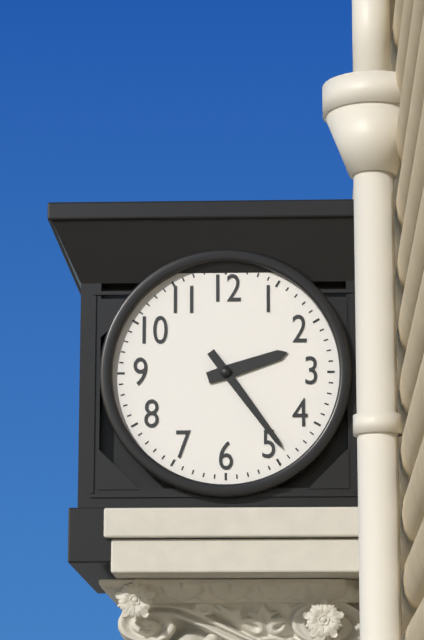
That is 2:24
